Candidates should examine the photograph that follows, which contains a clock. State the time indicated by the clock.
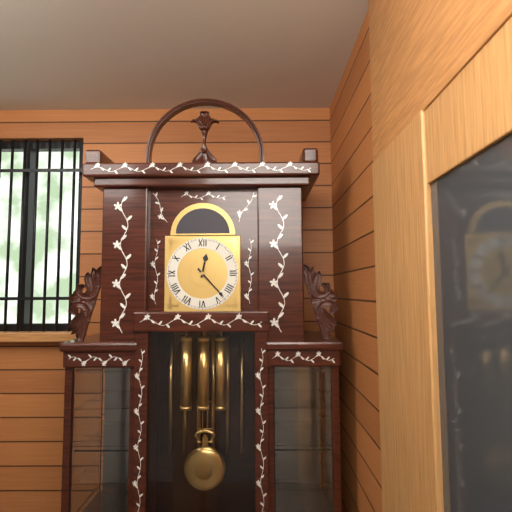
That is 12:23
